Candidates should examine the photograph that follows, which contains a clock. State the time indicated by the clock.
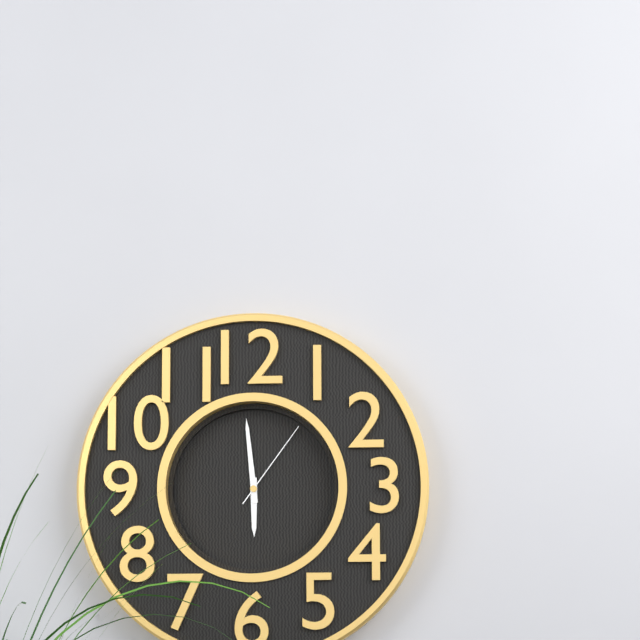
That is 5:59:06
